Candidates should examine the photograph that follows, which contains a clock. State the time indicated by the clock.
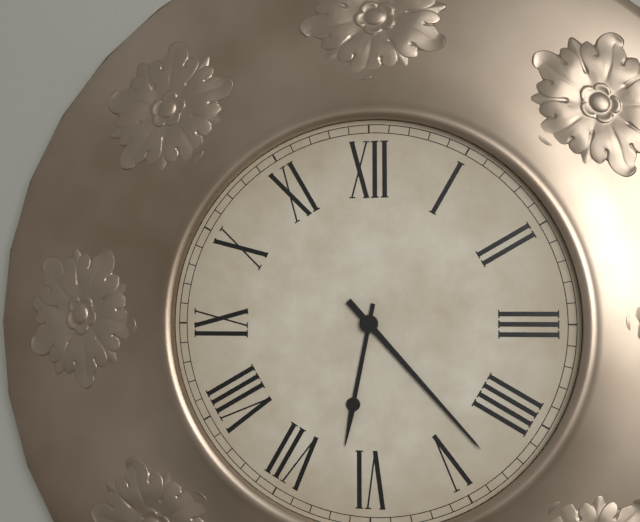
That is 6:23
